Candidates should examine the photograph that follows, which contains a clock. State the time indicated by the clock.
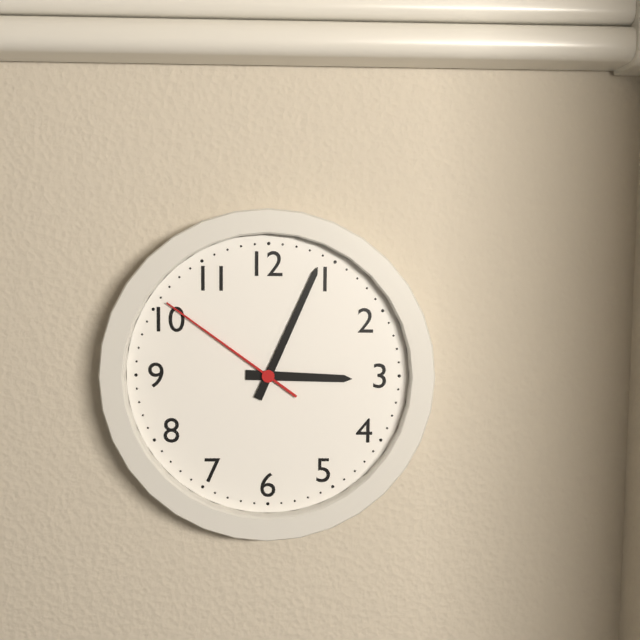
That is 3:04:51
